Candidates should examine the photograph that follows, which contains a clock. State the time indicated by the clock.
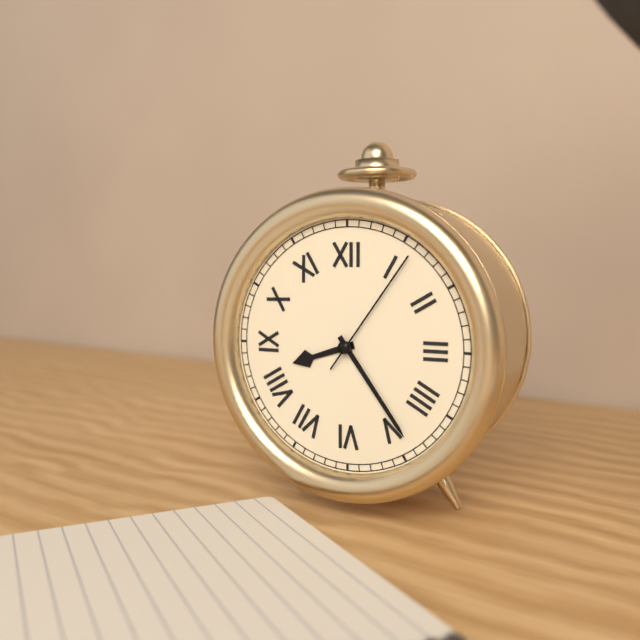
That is 8:24:06
